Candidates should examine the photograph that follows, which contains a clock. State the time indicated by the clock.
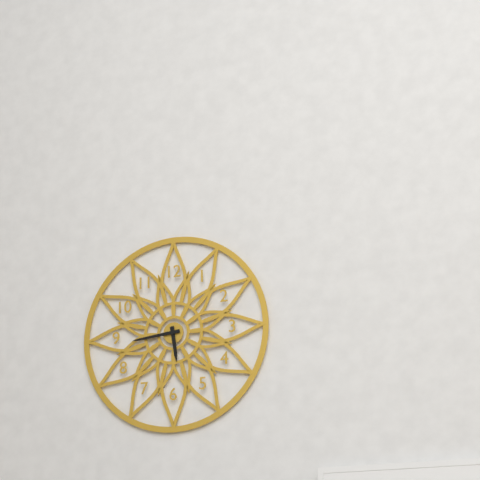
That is 5:44
